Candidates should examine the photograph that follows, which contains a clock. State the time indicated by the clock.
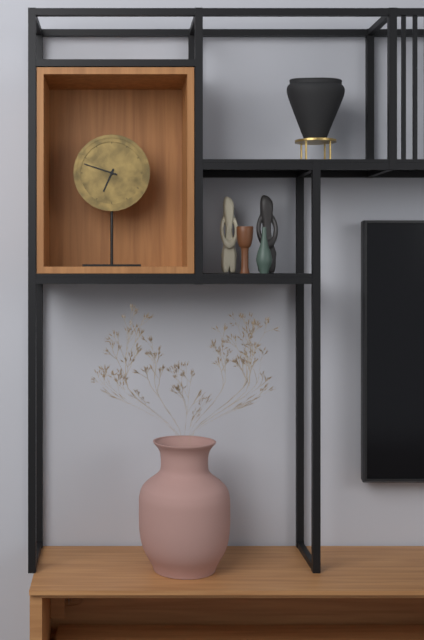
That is 6:48
